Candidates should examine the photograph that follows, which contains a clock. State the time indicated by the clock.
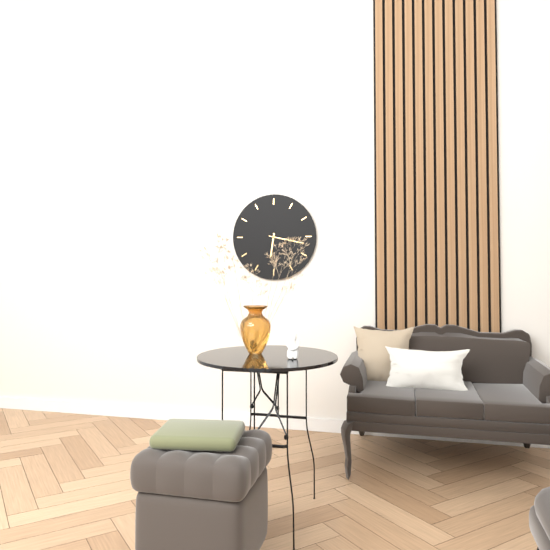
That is 6:17
